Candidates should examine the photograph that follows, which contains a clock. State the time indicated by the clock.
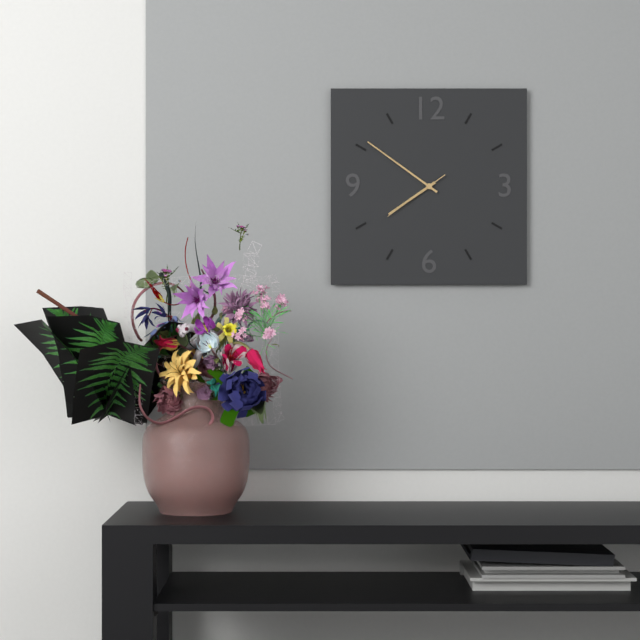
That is 7:51:39
